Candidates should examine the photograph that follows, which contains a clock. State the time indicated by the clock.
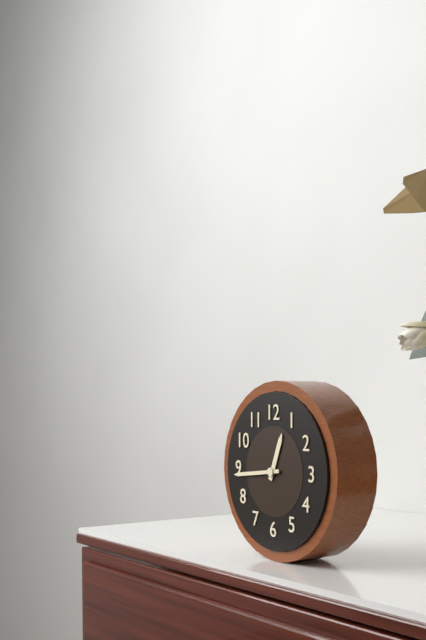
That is 12:44
